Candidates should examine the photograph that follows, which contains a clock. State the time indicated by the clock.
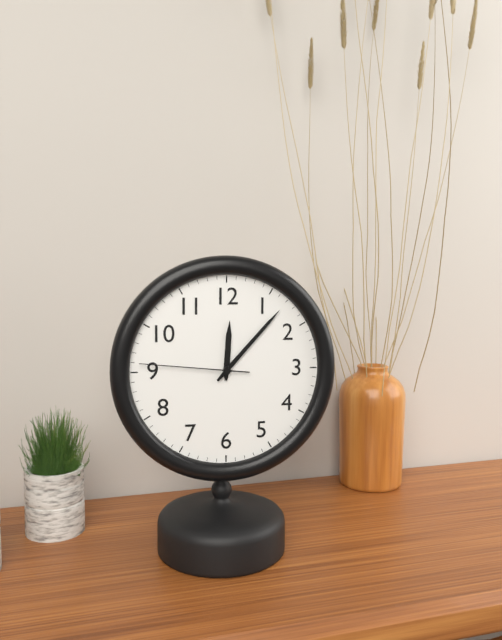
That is 12:07:46
